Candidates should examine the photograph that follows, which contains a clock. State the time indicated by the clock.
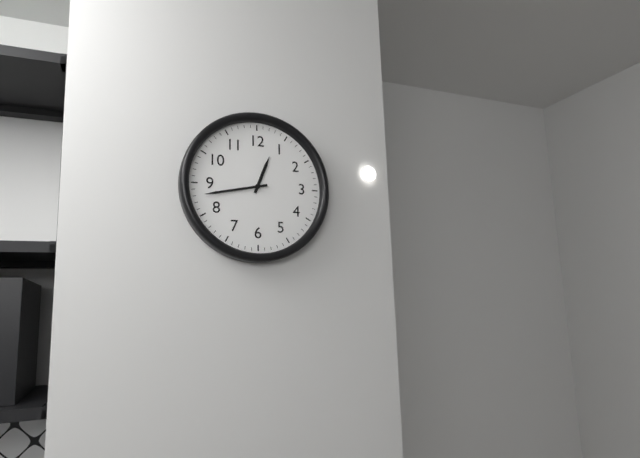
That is 12:43
